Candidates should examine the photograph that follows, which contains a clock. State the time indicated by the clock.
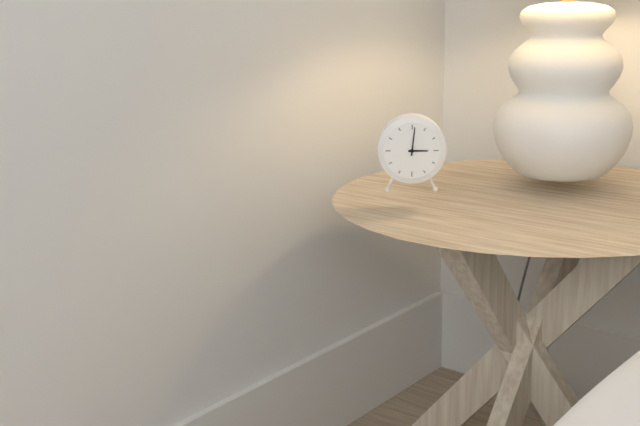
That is 3:01
